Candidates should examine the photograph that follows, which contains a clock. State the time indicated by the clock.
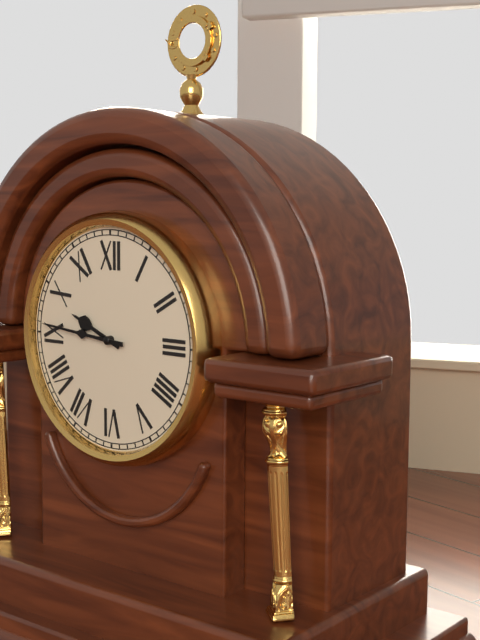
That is 9:46
